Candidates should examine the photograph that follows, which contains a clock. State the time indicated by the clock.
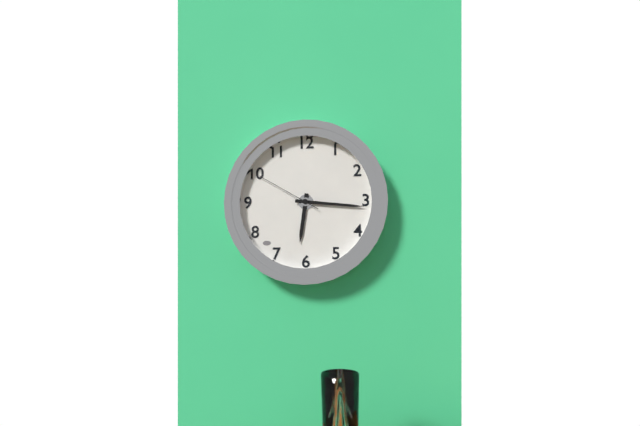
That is 6:16:50
